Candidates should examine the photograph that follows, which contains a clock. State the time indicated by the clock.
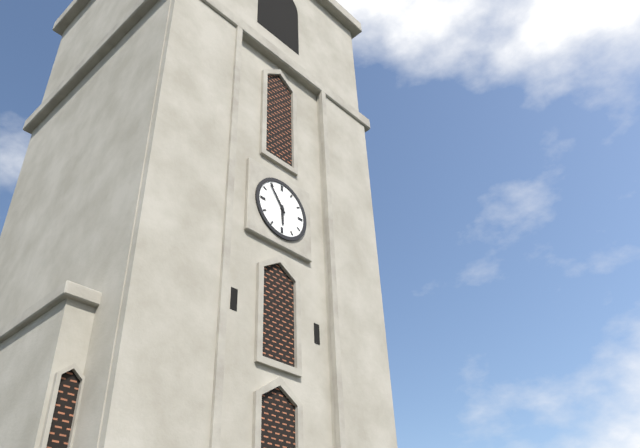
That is 5:54
